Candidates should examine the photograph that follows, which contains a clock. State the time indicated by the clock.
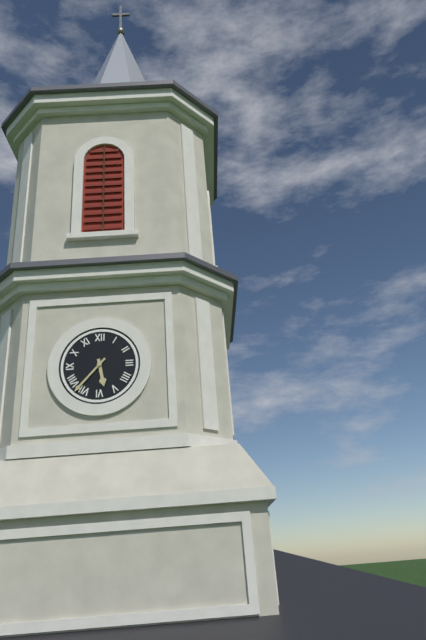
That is 5:37
